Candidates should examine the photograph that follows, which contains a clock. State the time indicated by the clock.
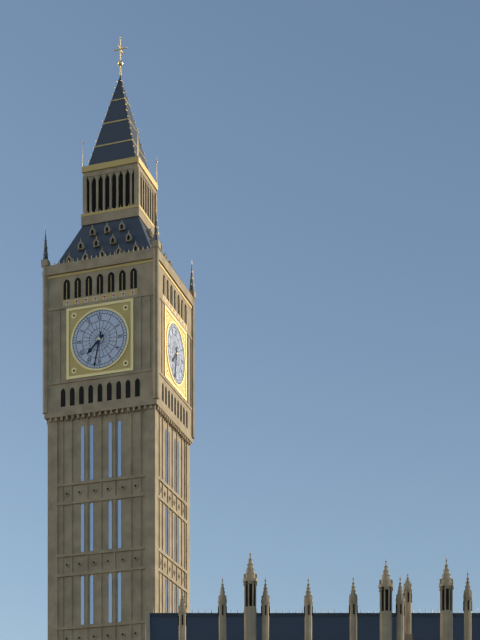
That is 7:32
